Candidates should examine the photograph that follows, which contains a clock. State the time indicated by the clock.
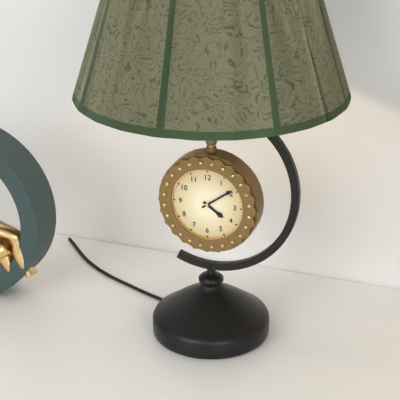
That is 4:09
